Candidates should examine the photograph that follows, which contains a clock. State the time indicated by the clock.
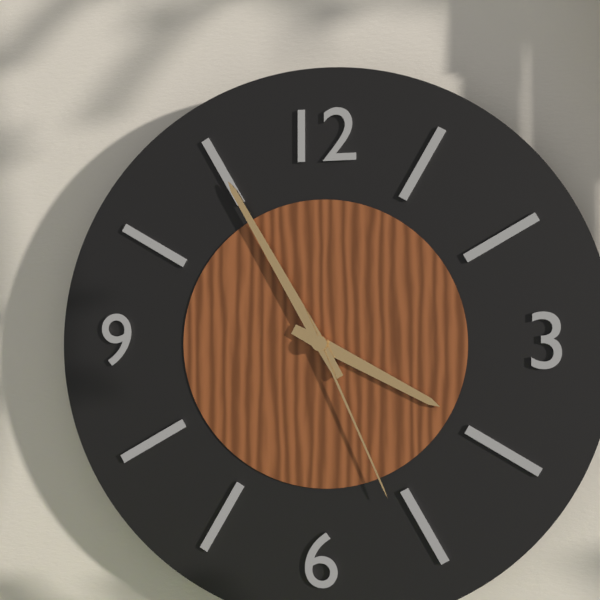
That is 3:55:26
